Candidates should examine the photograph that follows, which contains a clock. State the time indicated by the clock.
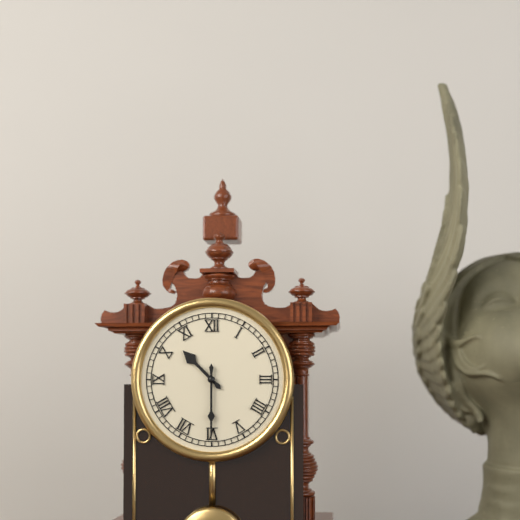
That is 10:30
